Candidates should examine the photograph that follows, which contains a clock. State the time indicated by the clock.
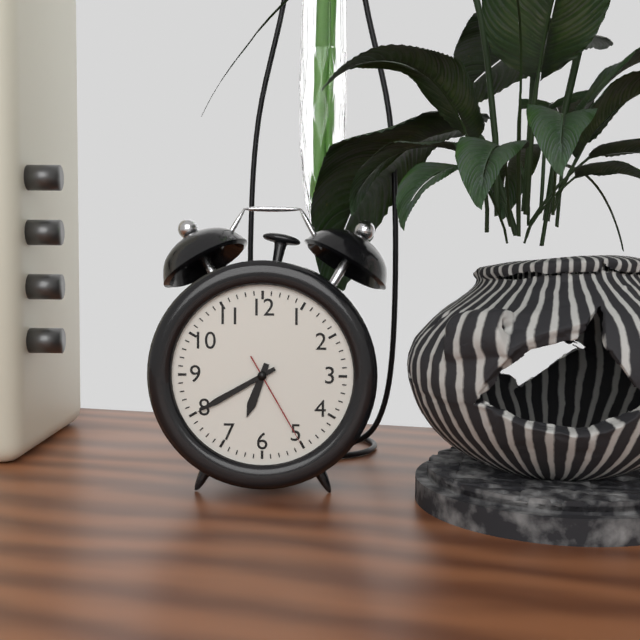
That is 6:40:25
